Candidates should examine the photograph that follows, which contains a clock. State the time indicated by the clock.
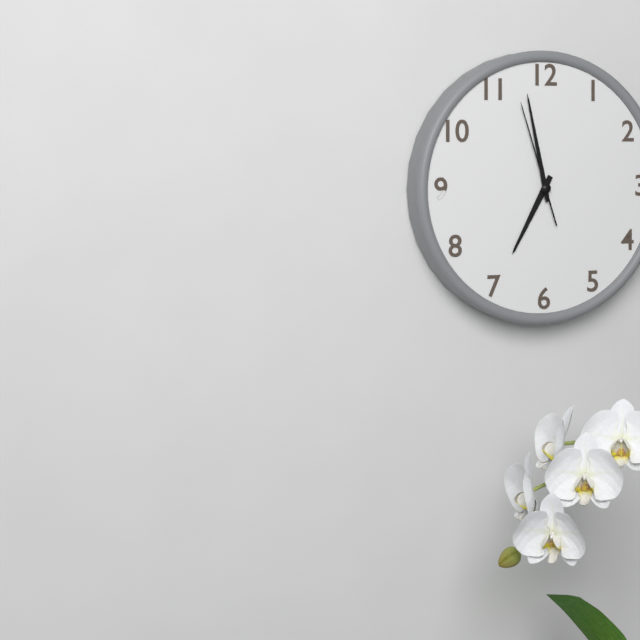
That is 6:58:57
